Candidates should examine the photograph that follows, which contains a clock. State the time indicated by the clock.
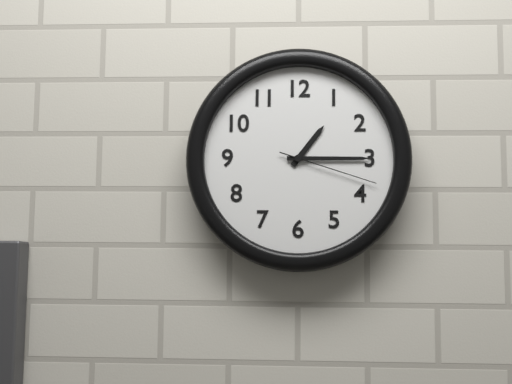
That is 1:15:18
